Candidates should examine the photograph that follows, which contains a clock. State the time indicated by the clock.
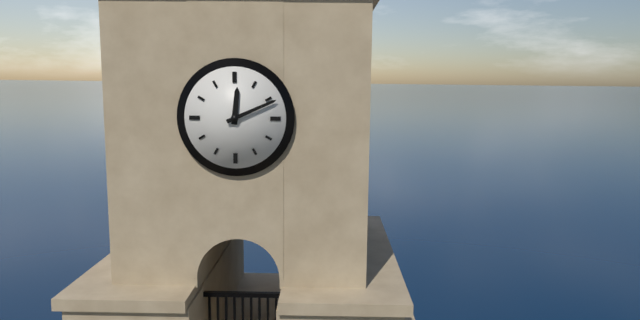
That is 12:11
